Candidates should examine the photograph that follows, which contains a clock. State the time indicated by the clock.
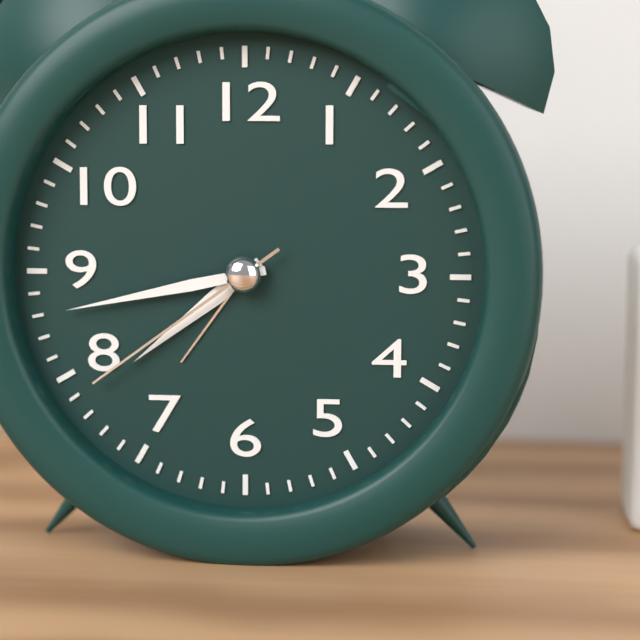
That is 7:43:39
